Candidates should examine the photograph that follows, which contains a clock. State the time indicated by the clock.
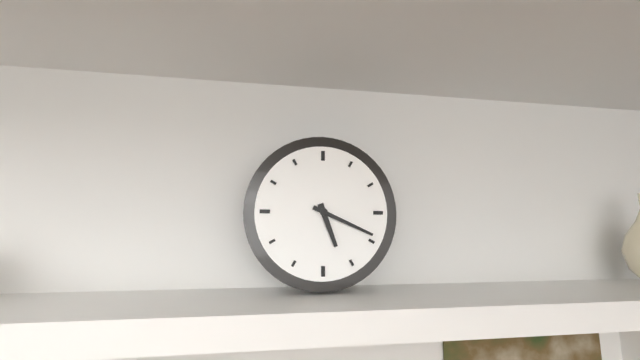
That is 5:19
